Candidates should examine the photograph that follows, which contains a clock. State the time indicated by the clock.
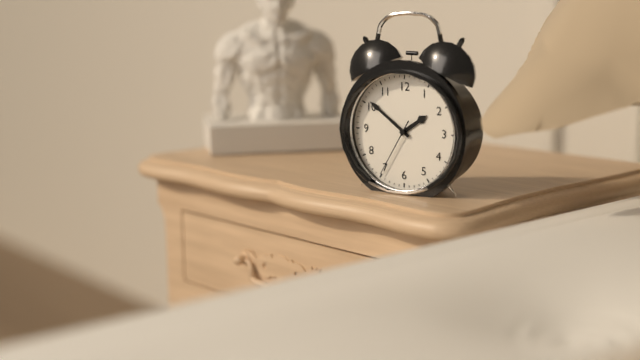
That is 1:51:35
